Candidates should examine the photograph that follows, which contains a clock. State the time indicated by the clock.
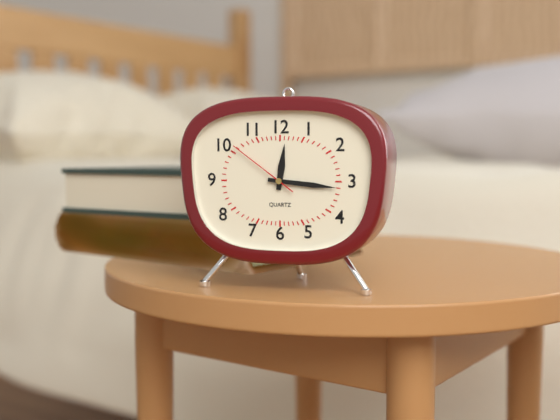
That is 12:16:51
